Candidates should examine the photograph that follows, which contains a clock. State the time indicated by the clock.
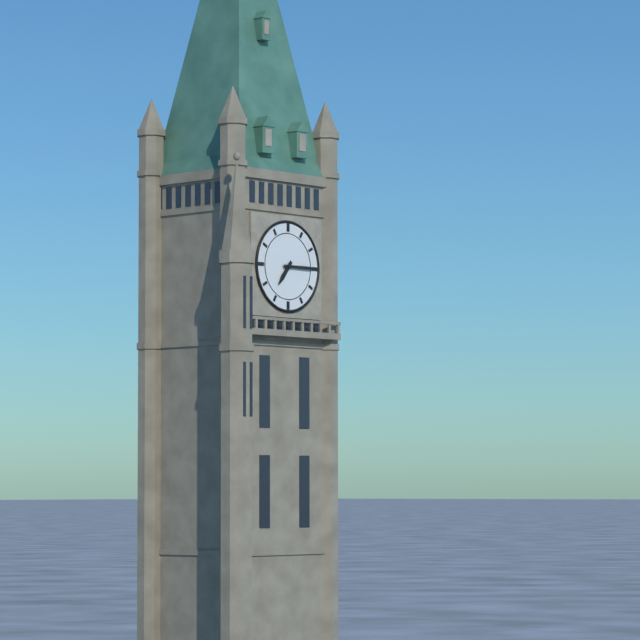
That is 7:15
